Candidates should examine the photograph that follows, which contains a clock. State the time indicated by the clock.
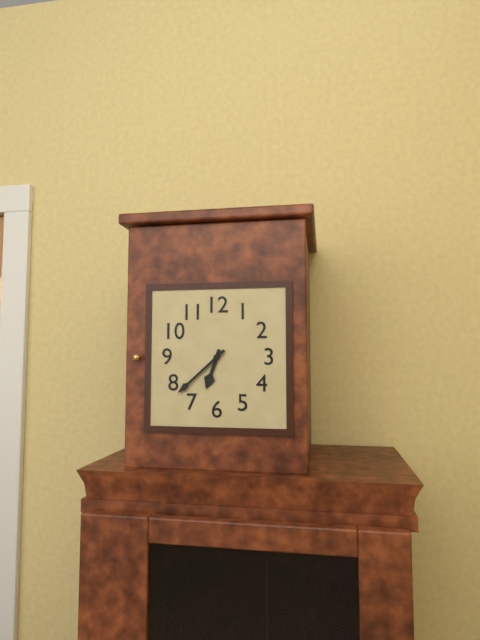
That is 6:38
